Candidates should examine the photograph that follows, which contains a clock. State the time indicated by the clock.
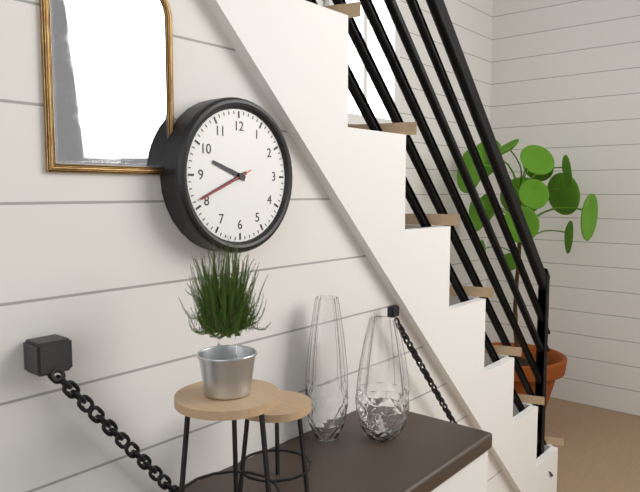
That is 9:41
